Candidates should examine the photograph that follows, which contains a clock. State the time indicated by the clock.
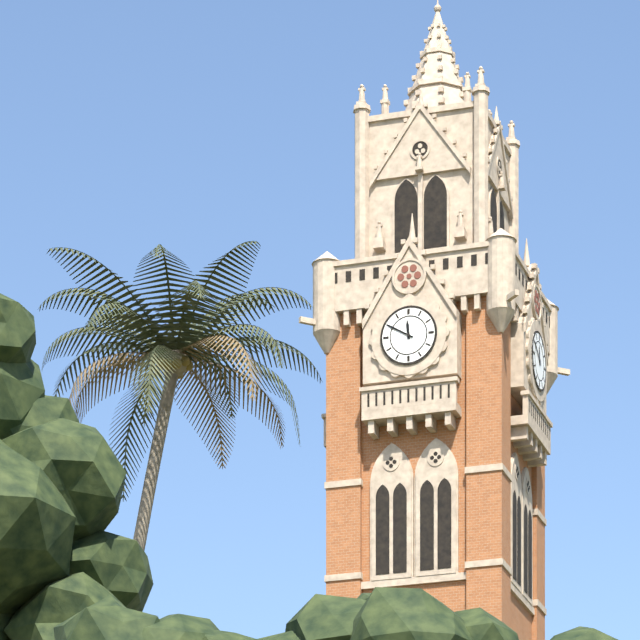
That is 11:50
